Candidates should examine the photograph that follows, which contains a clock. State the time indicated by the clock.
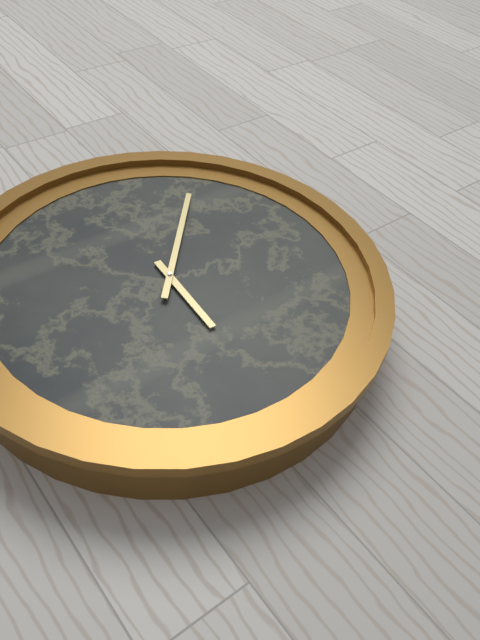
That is 6:07
